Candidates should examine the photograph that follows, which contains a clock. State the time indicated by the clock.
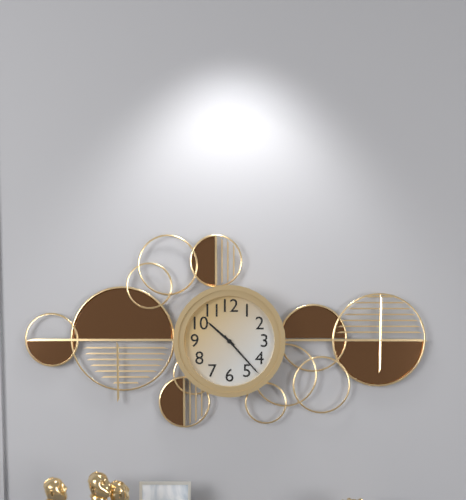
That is 10:23
